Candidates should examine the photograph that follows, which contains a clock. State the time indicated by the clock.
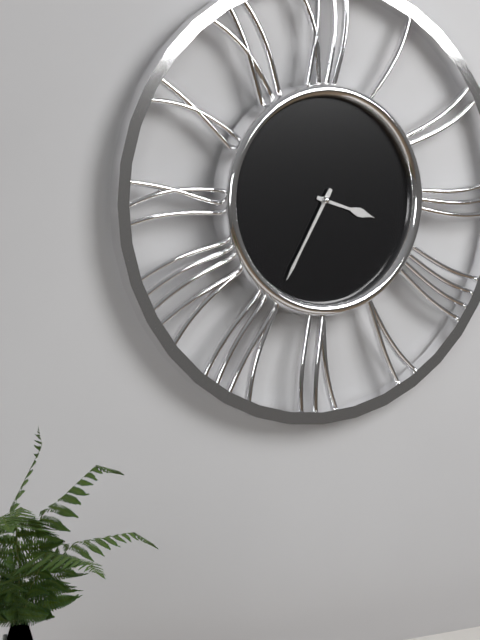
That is 3:35
